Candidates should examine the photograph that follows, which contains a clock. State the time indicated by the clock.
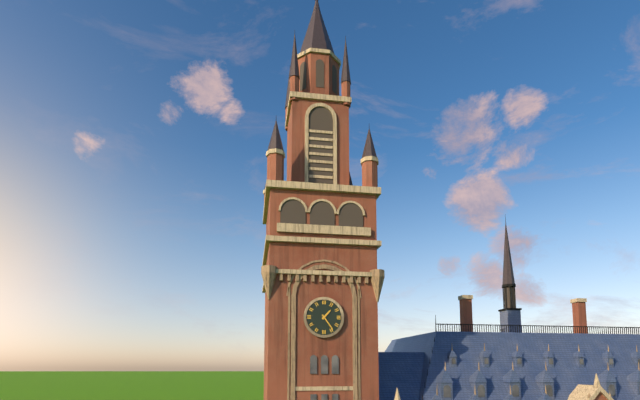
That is 1:24
